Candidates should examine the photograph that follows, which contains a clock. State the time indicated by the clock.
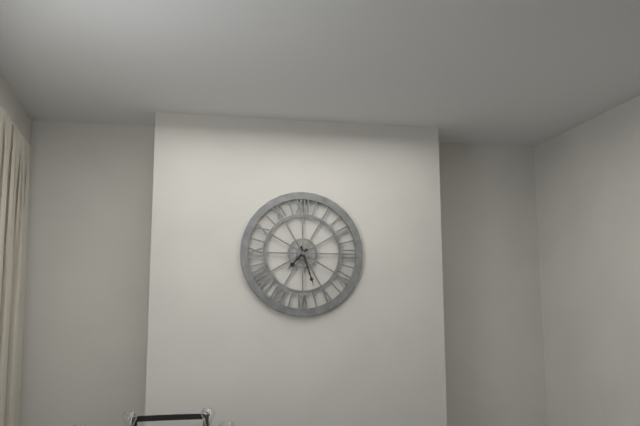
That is 7:27
